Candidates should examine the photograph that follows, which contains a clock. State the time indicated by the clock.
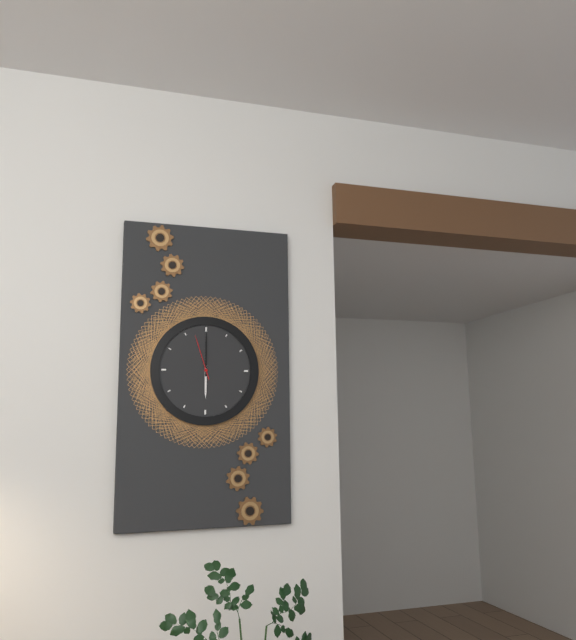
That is 6:00
